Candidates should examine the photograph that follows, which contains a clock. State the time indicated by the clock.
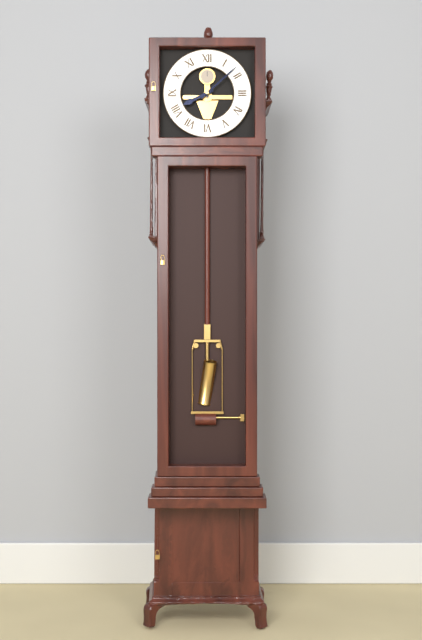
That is 8:08
